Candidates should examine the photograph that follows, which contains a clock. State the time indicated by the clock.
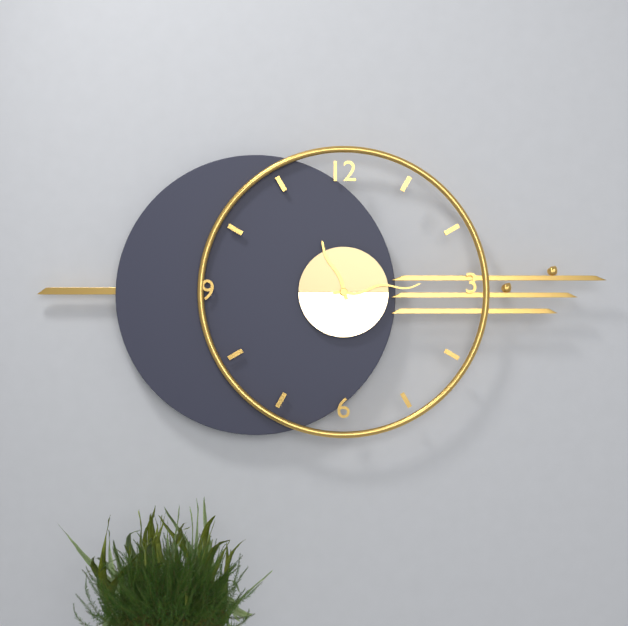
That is 11:14
